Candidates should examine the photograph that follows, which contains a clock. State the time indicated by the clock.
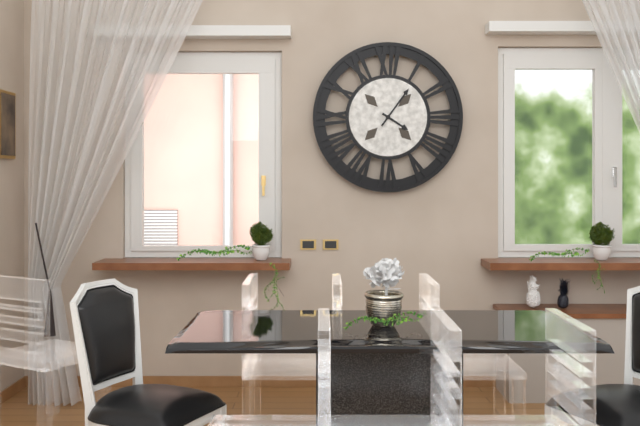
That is 4:06
